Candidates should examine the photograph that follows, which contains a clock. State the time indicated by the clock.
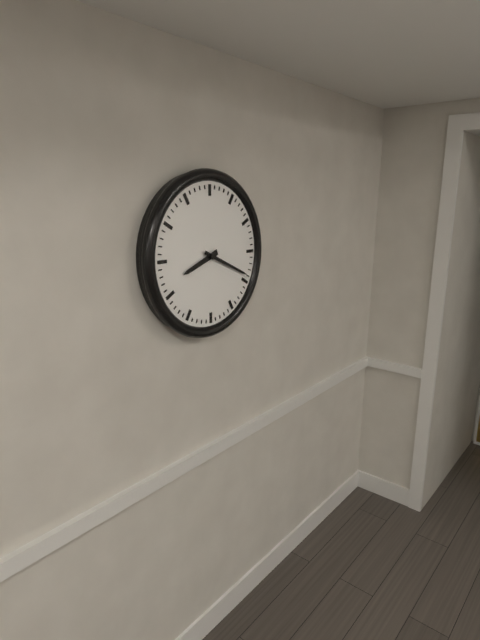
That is 8:19
